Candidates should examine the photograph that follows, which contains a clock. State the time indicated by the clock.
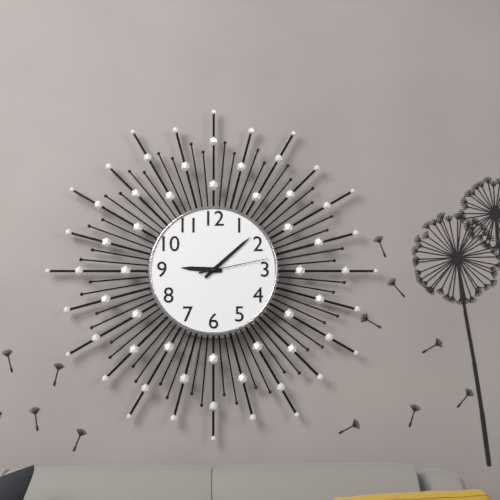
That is 9:08:13
